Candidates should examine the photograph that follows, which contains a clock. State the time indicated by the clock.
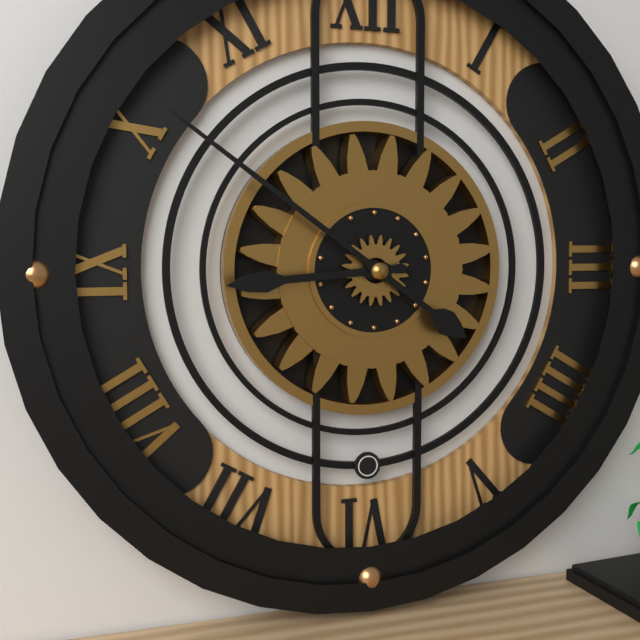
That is 8:51
